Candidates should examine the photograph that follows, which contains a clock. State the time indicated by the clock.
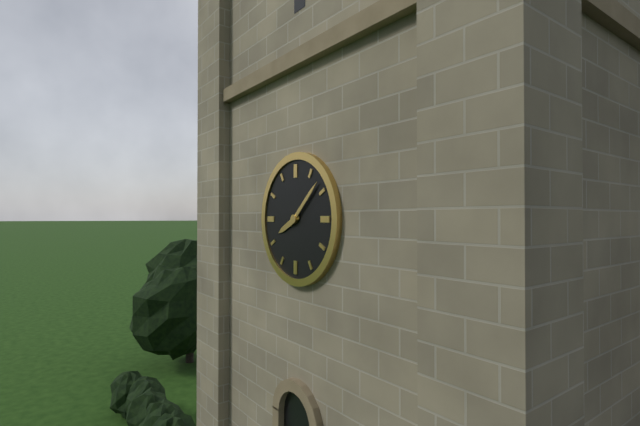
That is 8:08
